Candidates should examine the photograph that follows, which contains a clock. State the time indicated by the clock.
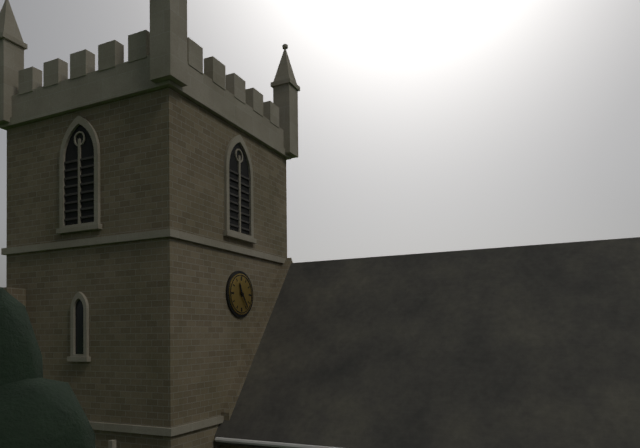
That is 11:24
